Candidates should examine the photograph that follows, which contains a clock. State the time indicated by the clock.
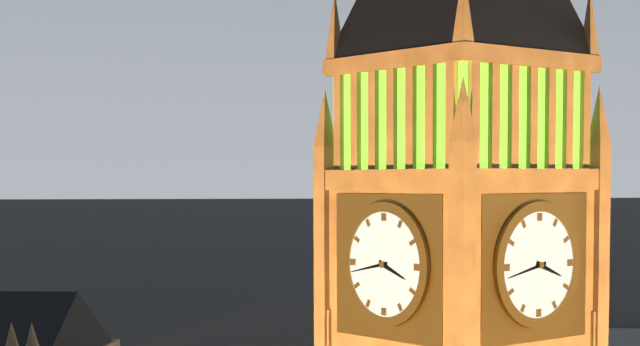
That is 3:43
